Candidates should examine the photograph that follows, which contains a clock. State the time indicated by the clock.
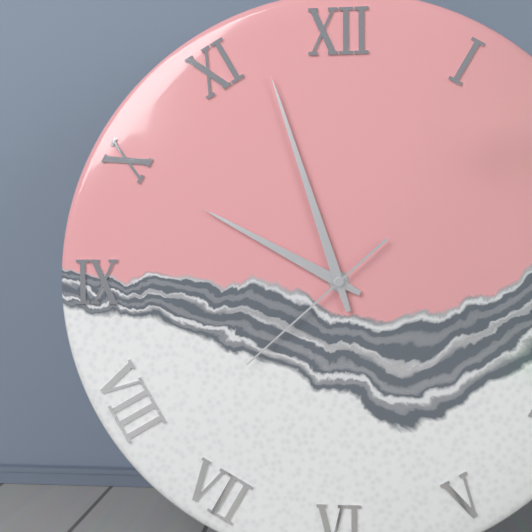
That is 9:57:38
